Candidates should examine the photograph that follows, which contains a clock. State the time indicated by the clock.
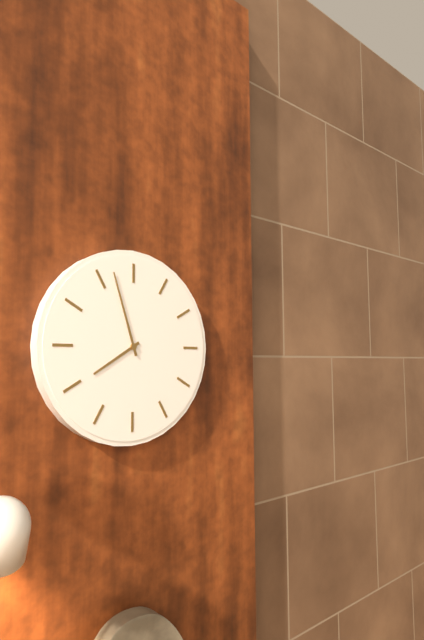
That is 7:57
